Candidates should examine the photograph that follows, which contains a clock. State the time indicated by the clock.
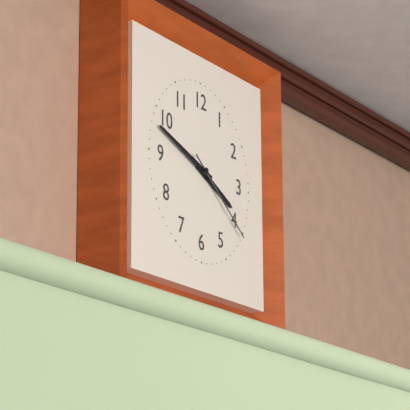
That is 3:48:21
